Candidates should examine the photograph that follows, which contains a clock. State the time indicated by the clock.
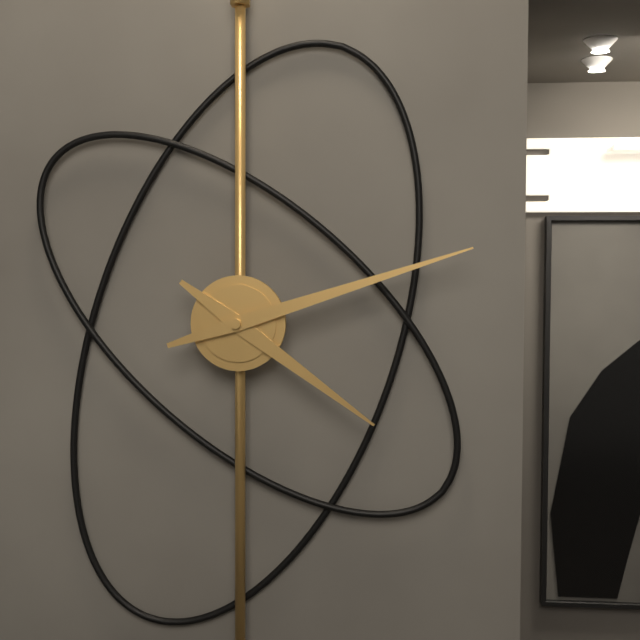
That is 4:12
